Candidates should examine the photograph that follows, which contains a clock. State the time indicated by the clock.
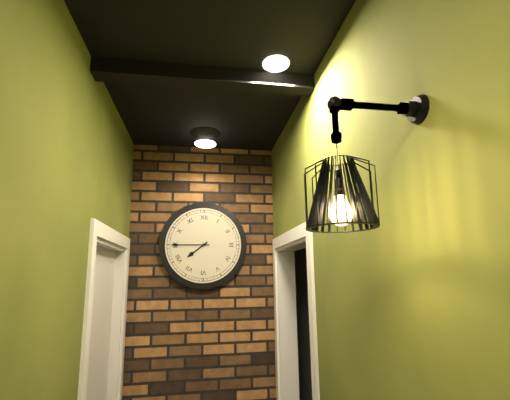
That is 7:45
